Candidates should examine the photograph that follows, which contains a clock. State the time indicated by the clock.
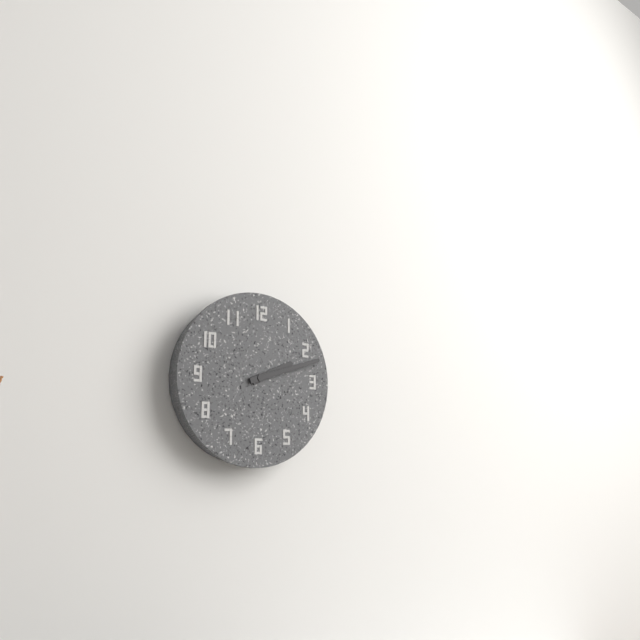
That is 2:12
